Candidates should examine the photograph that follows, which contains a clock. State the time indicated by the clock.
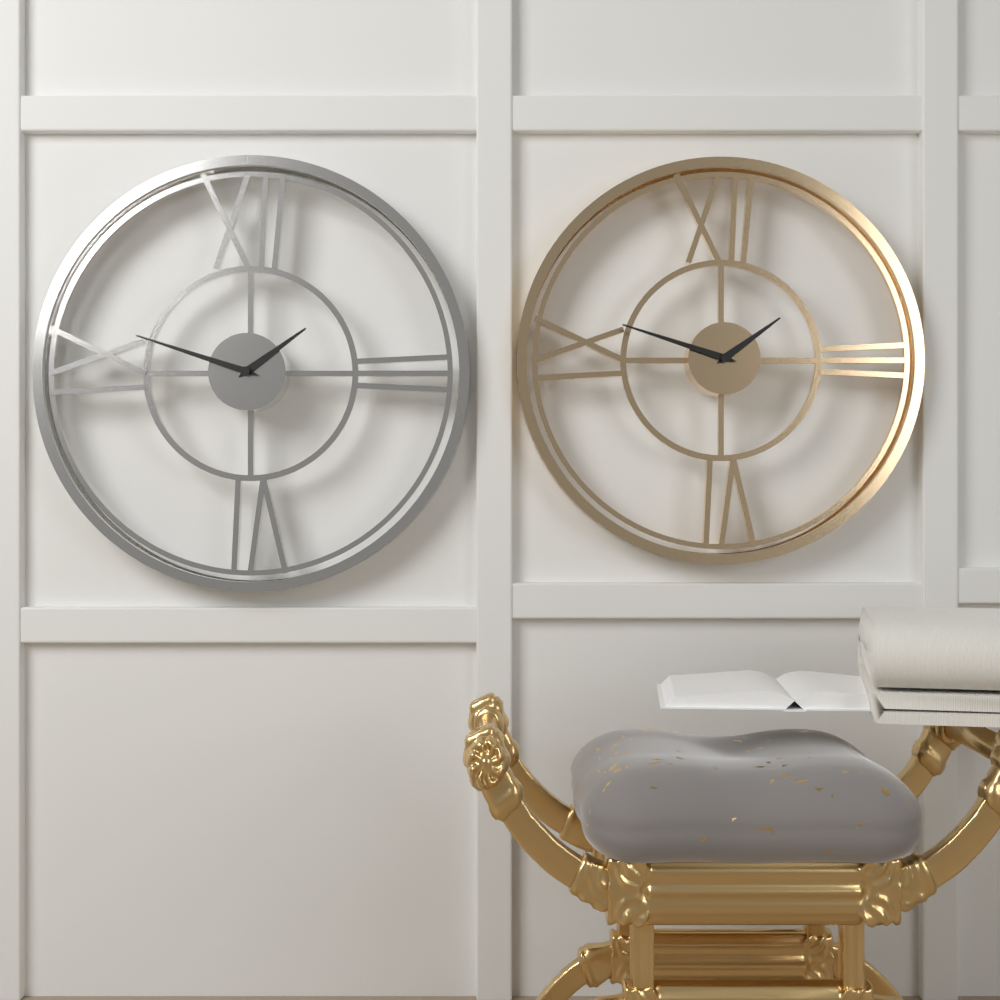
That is 1:48
